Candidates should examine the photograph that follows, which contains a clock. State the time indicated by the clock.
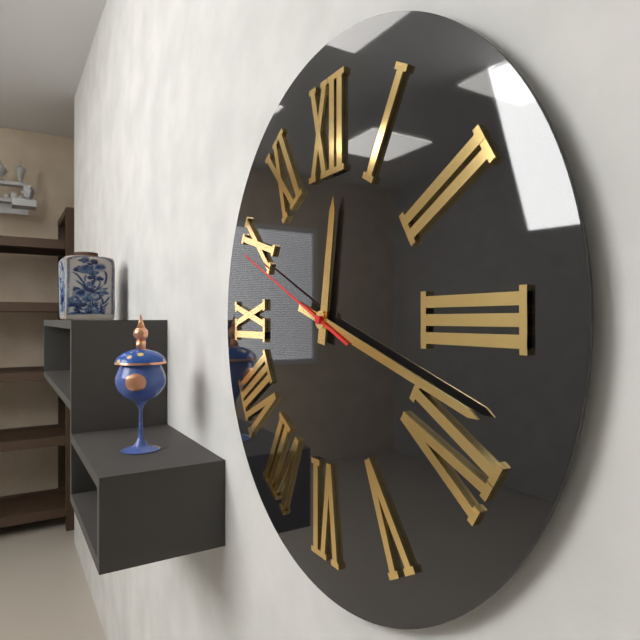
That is 12:18:49
